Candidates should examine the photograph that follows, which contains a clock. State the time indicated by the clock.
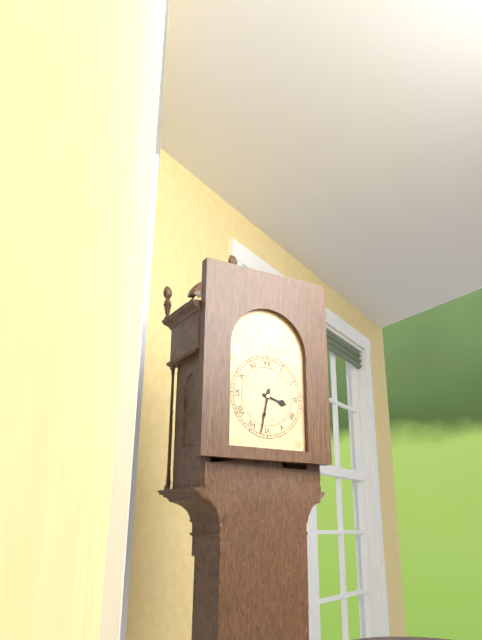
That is 3:32
